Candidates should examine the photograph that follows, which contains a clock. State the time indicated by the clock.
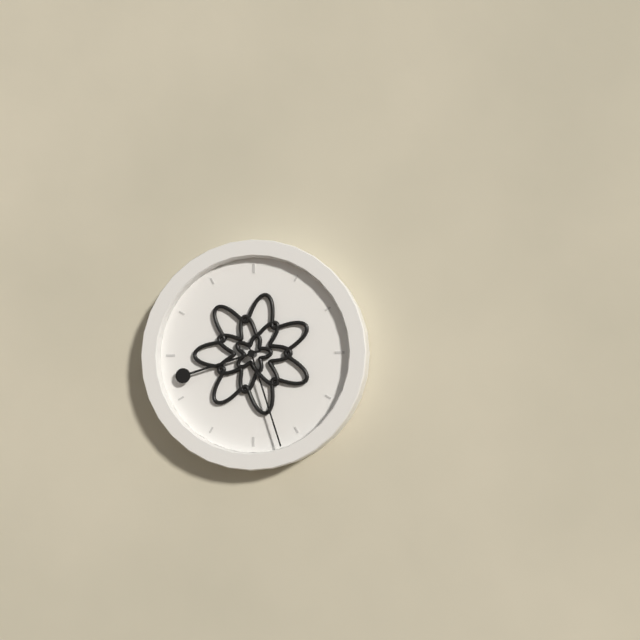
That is 8:27
